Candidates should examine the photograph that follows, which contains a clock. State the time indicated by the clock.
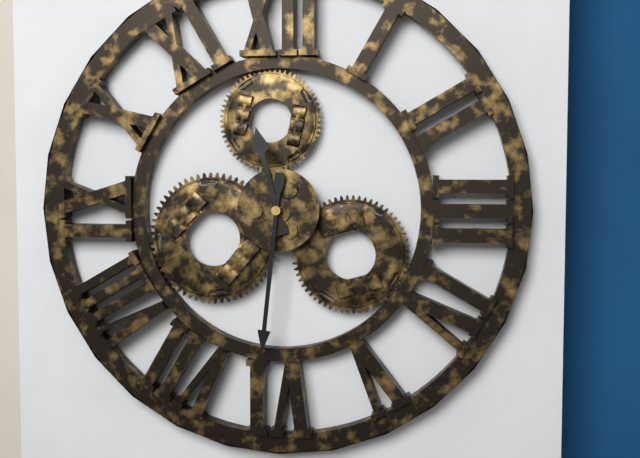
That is 11:31
